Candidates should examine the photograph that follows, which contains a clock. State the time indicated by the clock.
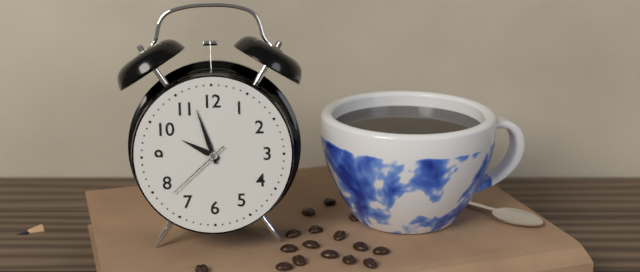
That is 9:57:38
